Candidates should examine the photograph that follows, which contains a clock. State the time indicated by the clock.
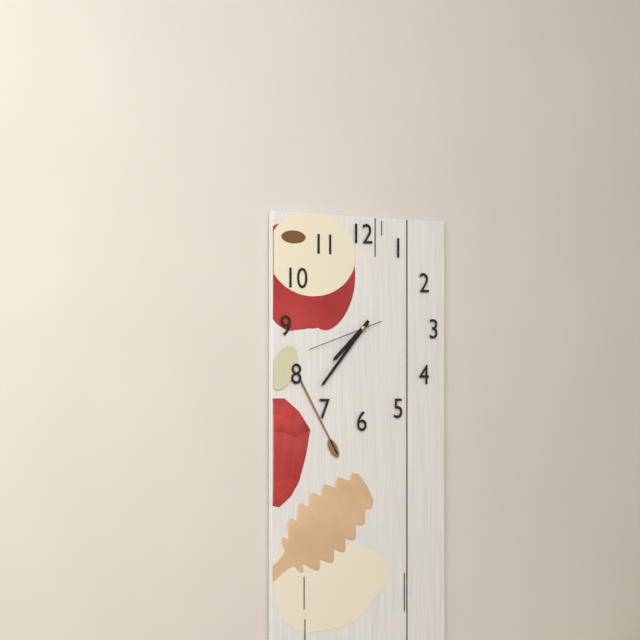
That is 7:37:42
